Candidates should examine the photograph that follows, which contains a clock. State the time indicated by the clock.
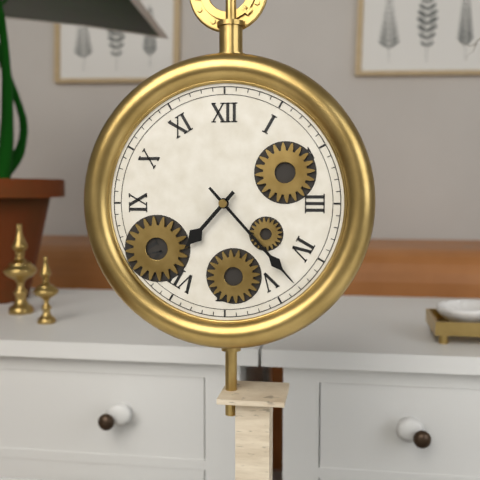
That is 7:23
